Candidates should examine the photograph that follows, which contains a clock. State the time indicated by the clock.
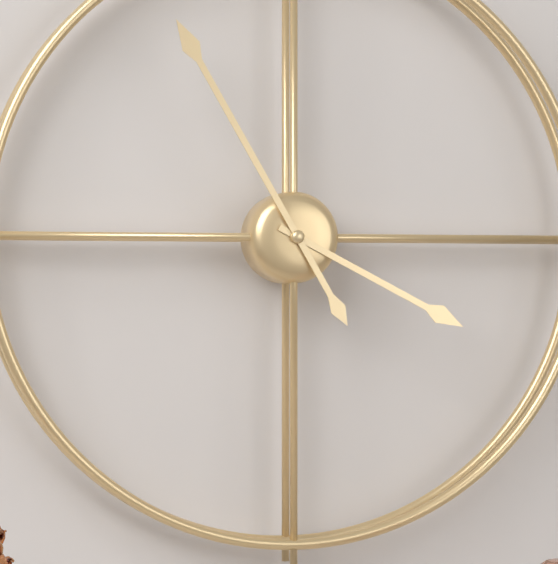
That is 3:55
